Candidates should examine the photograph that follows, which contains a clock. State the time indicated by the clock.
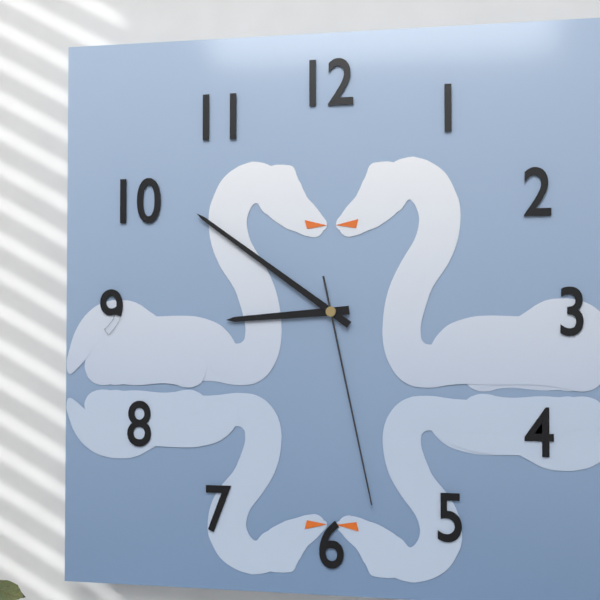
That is 8:51:28
